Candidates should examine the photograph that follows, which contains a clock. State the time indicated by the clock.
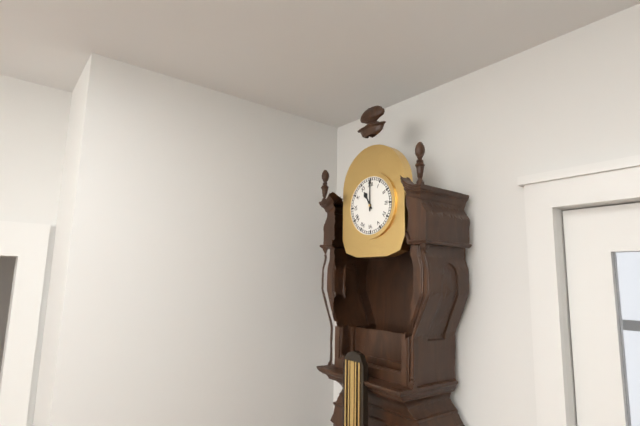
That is 11:00
